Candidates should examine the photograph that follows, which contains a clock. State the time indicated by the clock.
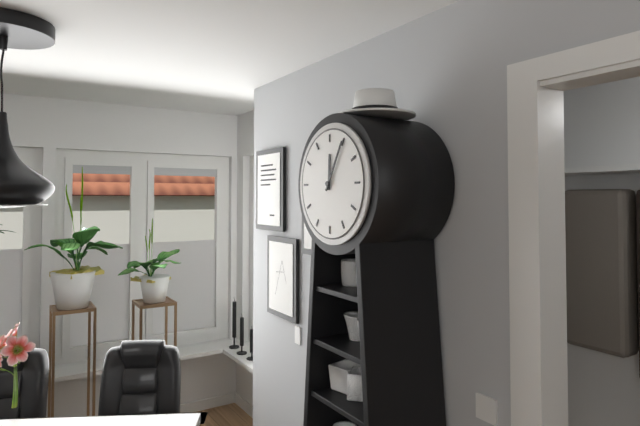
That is 12:05
